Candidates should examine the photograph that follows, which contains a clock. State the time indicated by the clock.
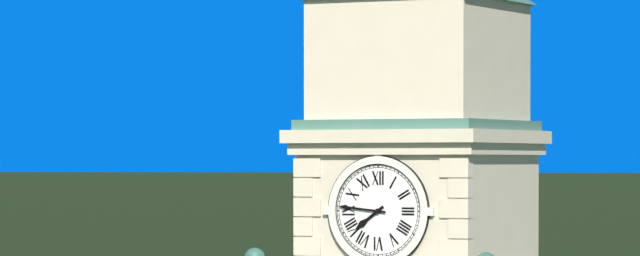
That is 7:46
